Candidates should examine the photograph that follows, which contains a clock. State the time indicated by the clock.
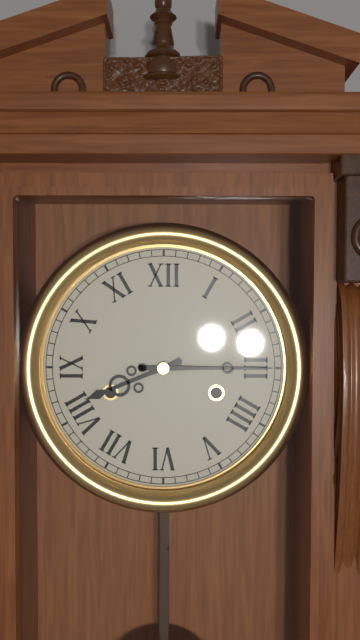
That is 8:15
